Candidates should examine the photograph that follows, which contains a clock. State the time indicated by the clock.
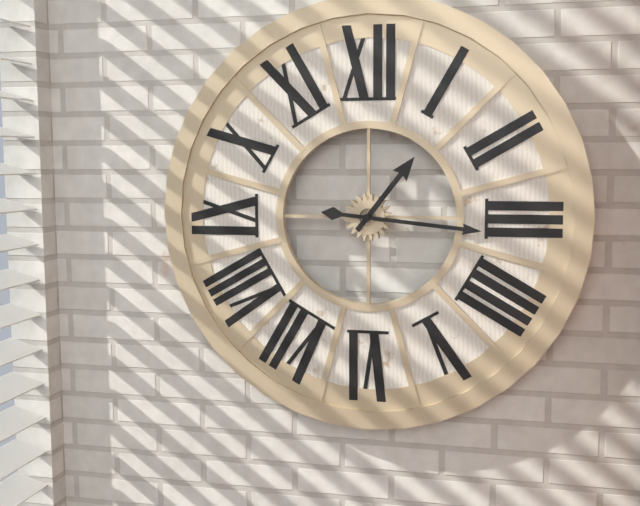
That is 1:16
